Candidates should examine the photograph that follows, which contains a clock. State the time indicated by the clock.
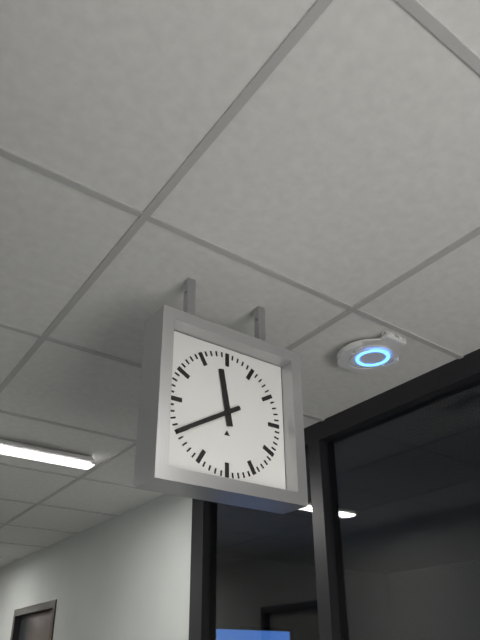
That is 11:40
